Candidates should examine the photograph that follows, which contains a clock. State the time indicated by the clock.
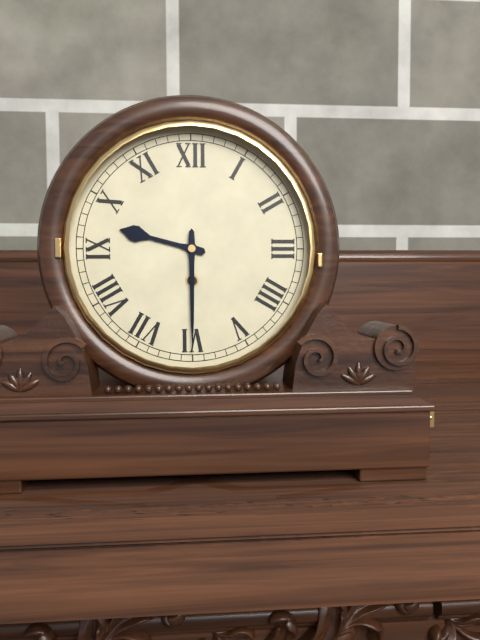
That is 9:30
